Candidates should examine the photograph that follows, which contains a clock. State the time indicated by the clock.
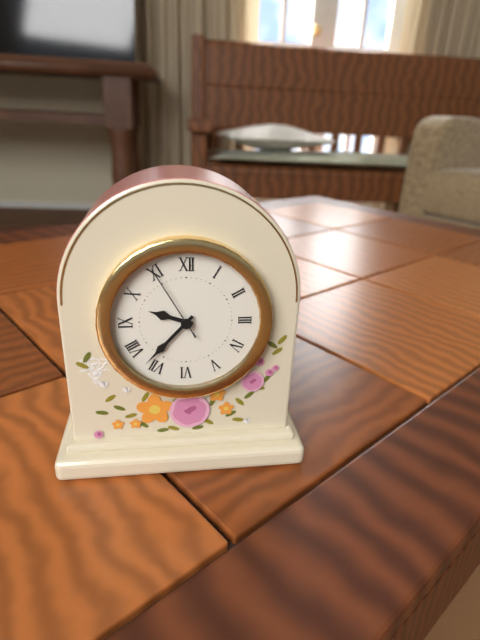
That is 9:37:55
